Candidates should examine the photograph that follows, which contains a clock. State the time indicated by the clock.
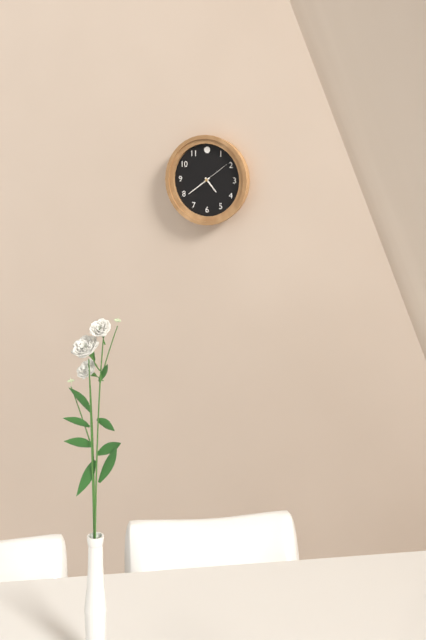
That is 4:39
